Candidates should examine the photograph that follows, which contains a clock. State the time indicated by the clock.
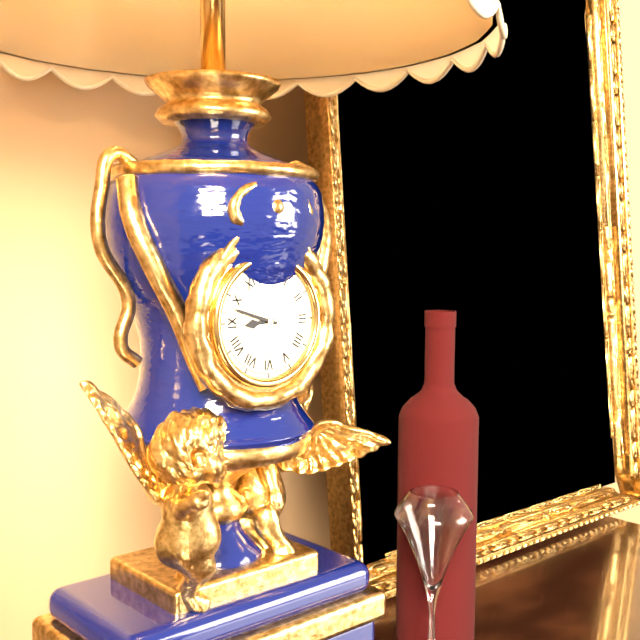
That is 8:48
